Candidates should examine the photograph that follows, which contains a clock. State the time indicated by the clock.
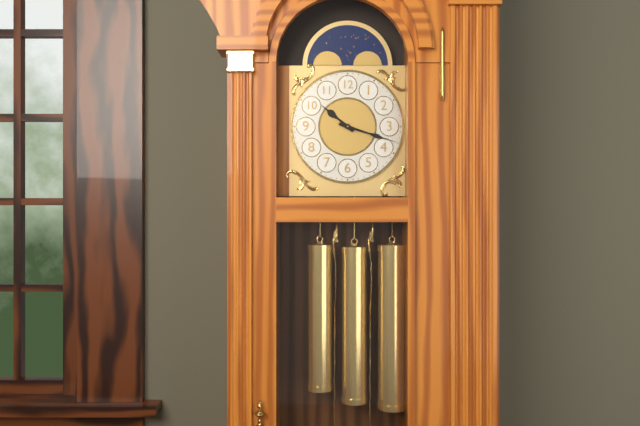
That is 10:18
